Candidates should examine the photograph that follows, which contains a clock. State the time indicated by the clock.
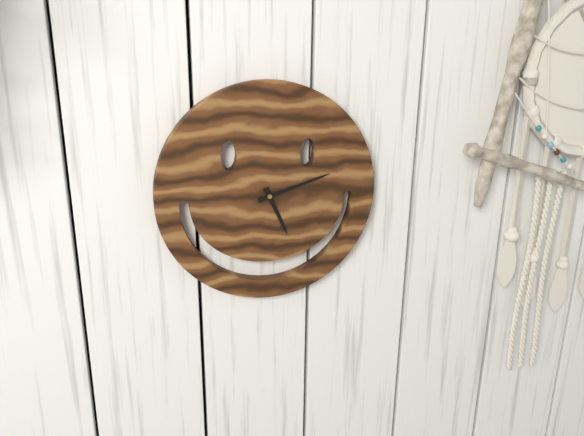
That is 5:12
